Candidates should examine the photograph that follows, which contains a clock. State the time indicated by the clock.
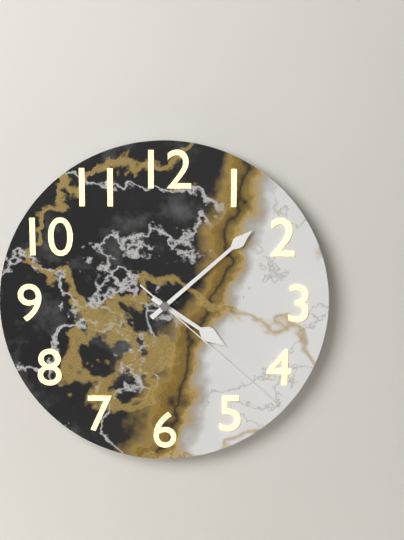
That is 4:08:22
